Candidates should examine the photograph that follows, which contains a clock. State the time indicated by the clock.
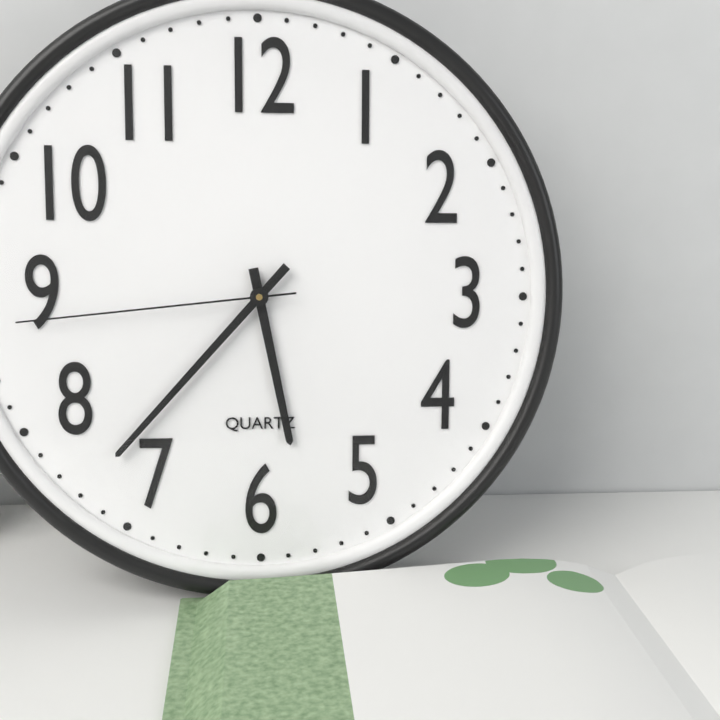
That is 5:37:44
